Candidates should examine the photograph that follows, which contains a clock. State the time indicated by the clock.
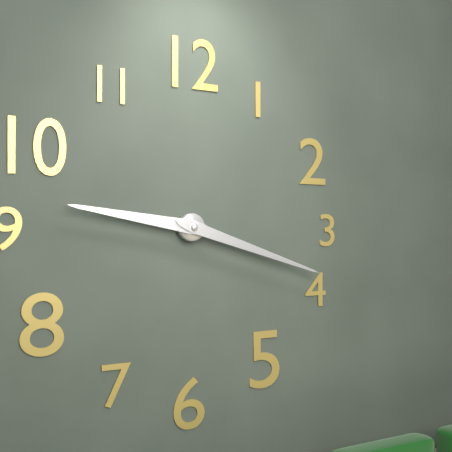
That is 9:18
